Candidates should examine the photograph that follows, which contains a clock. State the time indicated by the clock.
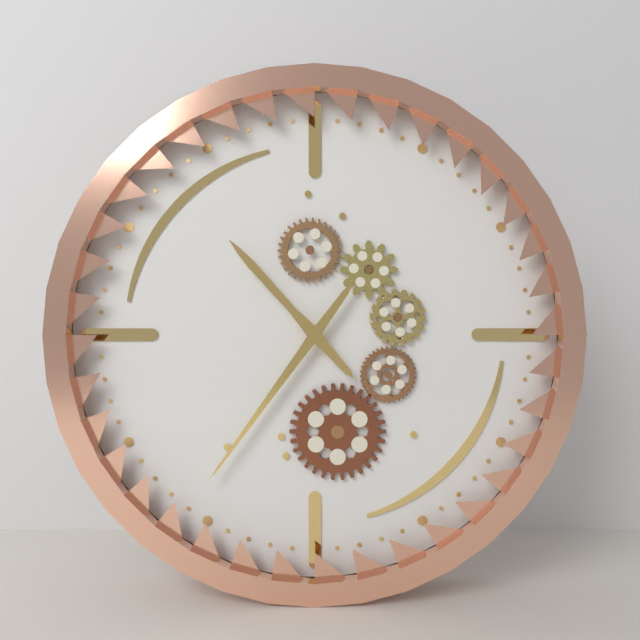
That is 10:36
